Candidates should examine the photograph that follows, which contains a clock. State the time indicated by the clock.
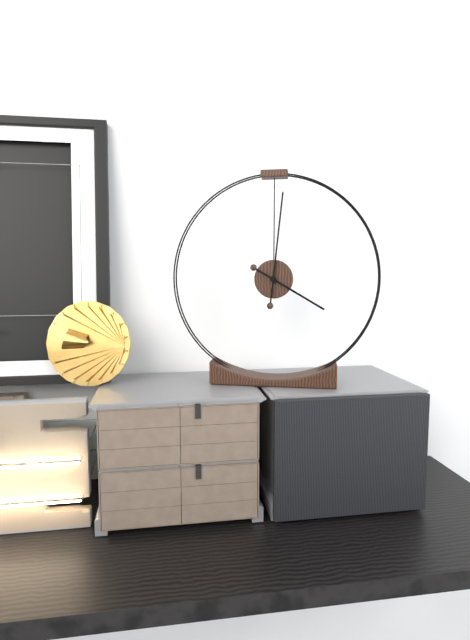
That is 4:01
